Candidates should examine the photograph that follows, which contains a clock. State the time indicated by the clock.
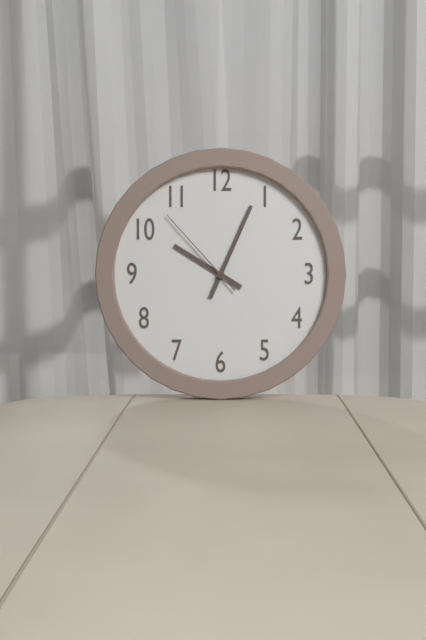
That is 10:04:53
